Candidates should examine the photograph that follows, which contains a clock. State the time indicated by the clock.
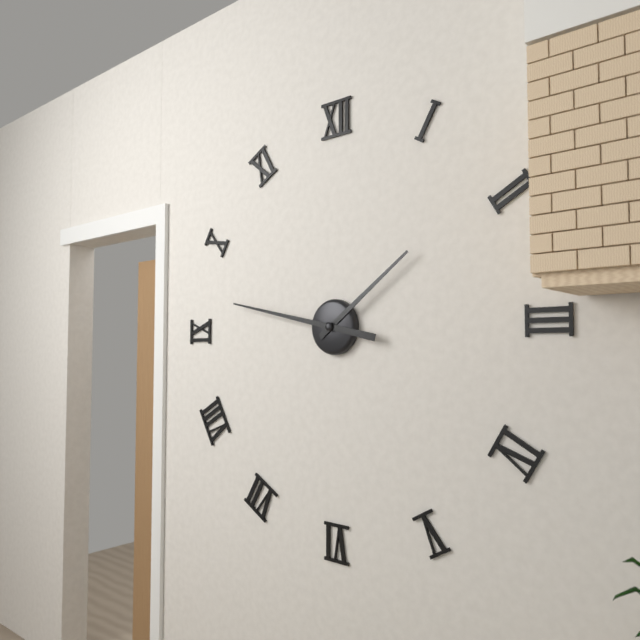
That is 1:47
